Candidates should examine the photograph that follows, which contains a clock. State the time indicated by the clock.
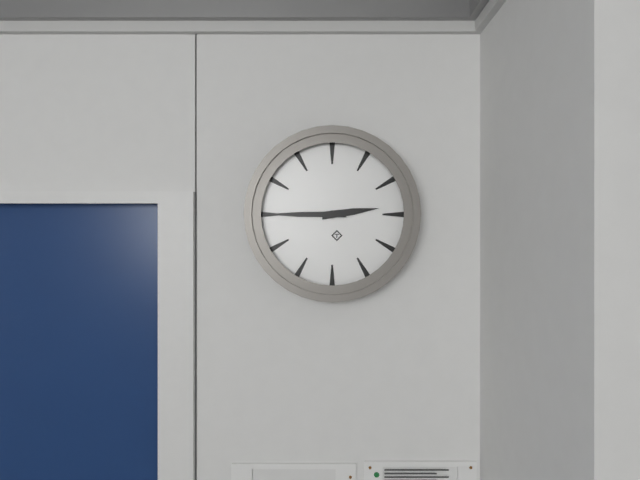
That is 2:45
